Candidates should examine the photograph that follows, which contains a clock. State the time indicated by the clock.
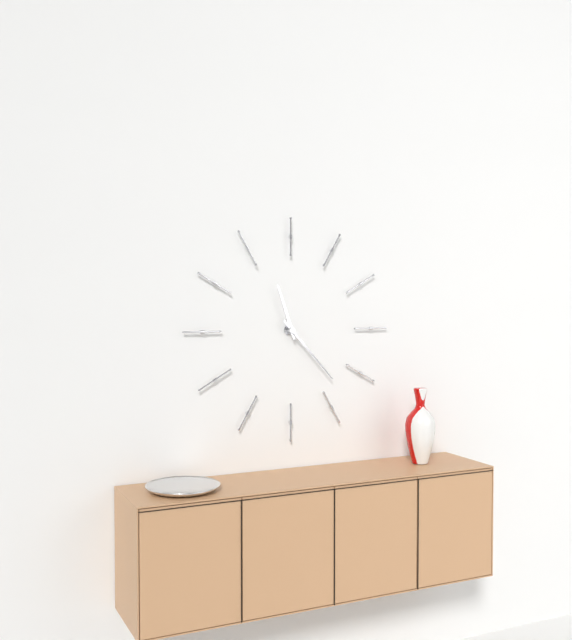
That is 11:23
